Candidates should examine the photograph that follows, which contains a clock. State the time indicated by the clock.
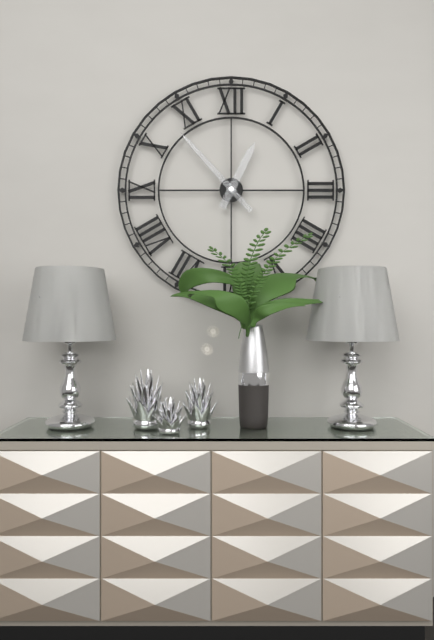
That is 12:53
